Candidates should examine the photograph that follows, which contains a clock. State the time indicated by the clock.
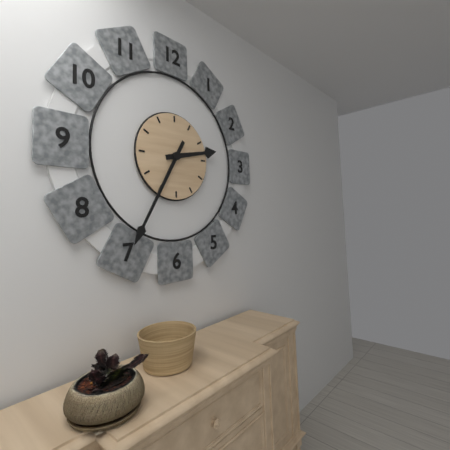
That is 2:35
